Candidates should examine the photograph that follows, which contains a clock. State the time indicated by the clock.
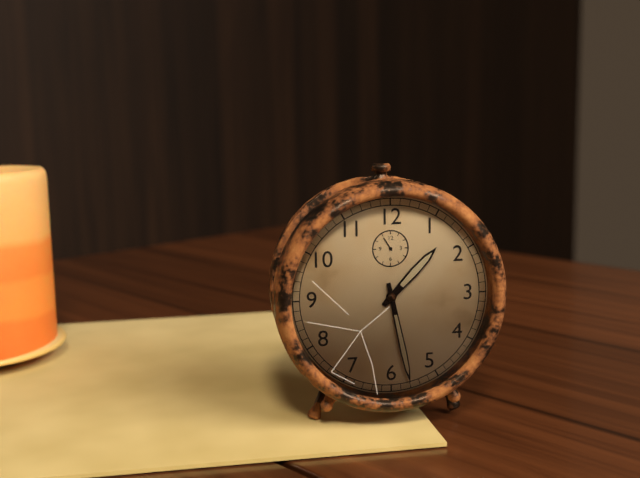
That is 1:28
